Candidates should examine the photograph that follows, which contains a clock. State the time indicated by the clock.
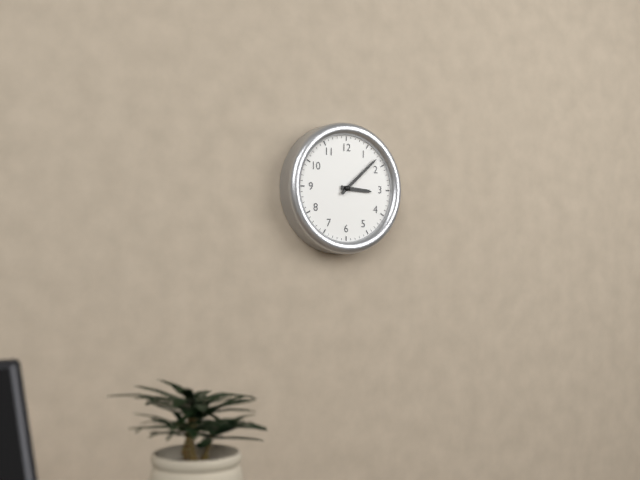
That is 3:08
